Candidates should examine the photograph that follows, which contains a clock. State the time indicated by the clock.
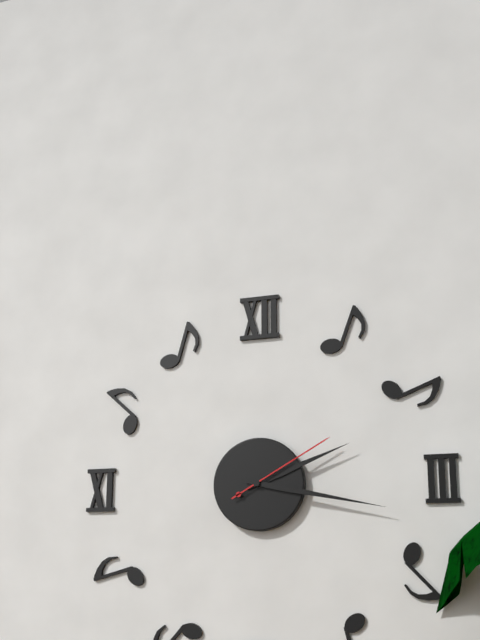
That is 2:17:10
